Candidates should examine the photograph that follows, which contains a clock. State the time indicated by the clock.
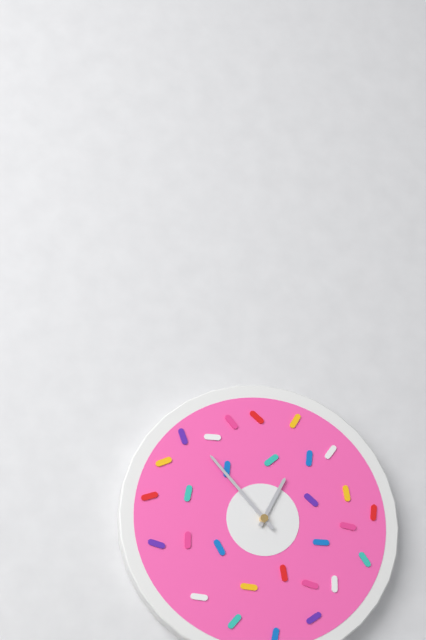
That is 12:53
